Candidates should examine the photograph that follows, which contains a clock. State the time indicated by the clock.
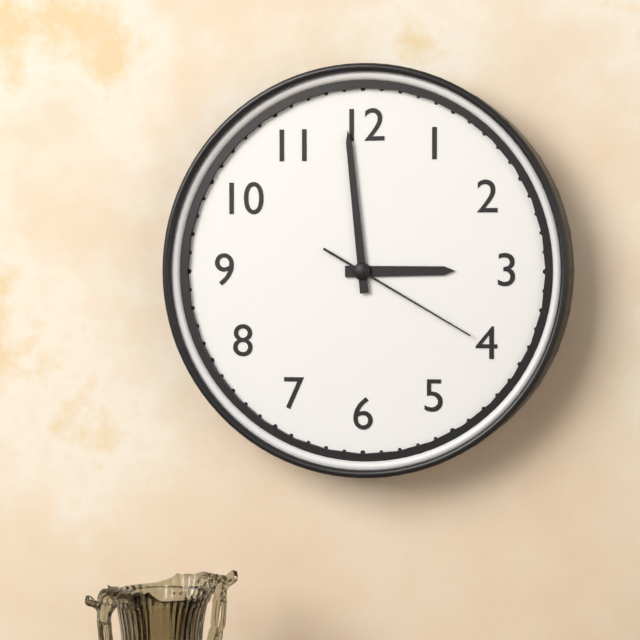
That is 2:59:20
